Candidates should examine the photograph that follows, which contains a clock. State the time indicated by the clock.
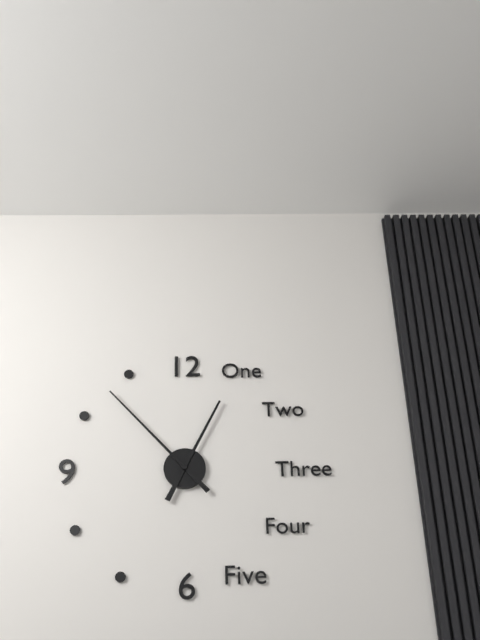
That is 12:53
